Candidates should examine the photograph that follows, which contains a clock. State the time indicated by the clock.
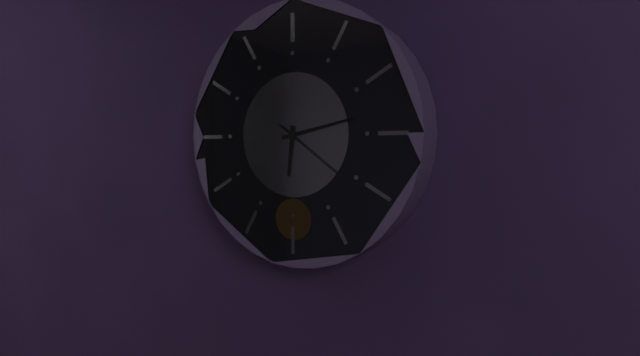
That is 6:13:21
